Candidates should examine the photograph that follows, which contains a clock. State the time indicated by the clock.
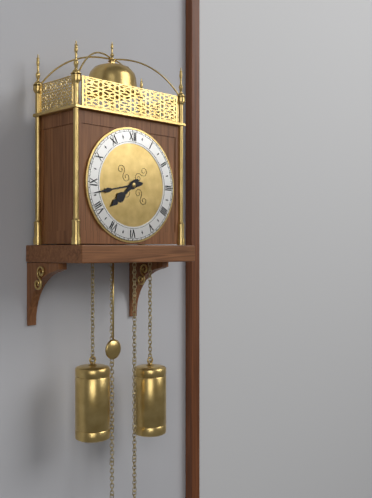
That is 7:43
